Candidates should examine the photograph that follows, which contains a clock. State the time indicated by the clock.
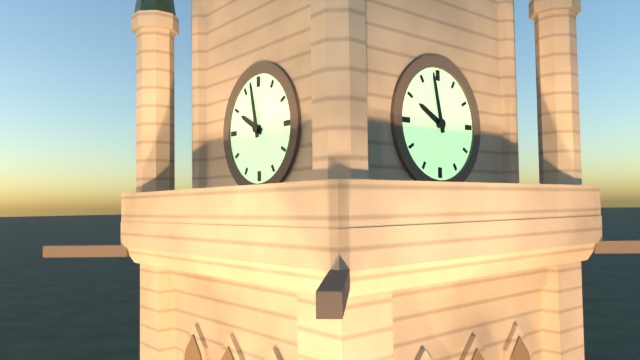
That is 9:58
